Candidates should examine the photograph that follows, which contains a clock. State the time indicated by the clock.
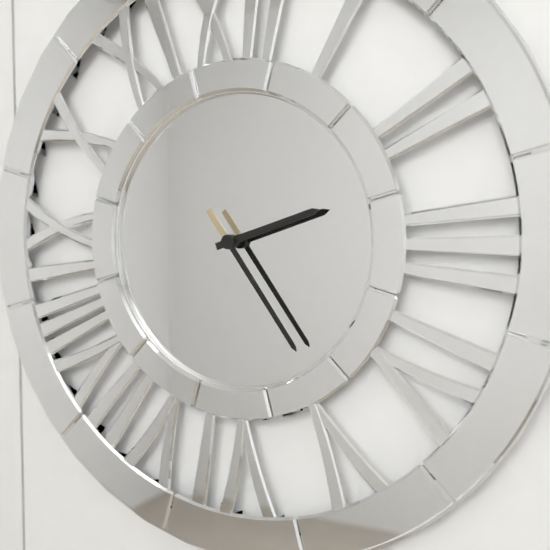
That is 2:24
